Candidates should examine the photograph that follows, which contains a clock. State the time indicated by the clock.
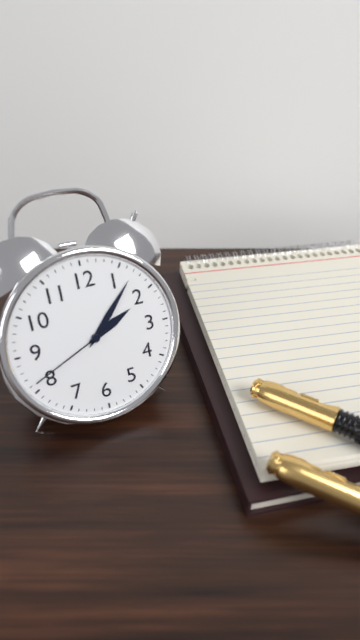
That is 2:07:41
